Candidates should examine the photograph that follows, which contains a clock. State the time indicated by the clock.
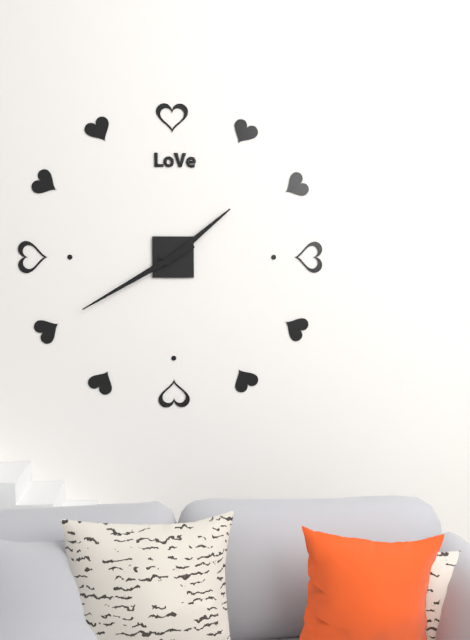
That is 1:40
